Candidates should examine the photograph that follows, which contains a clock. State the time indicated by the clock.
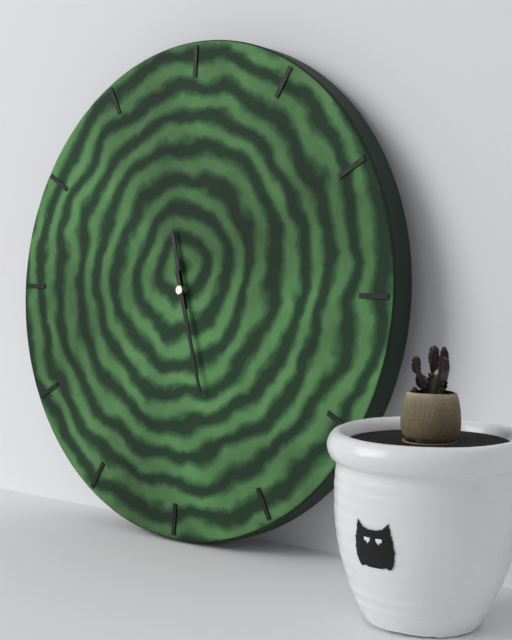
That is 11:27
